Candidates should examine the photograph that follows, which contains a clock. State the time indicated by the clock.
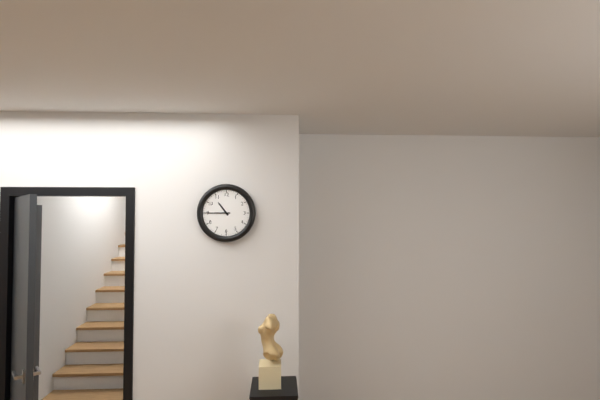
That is 10:45
